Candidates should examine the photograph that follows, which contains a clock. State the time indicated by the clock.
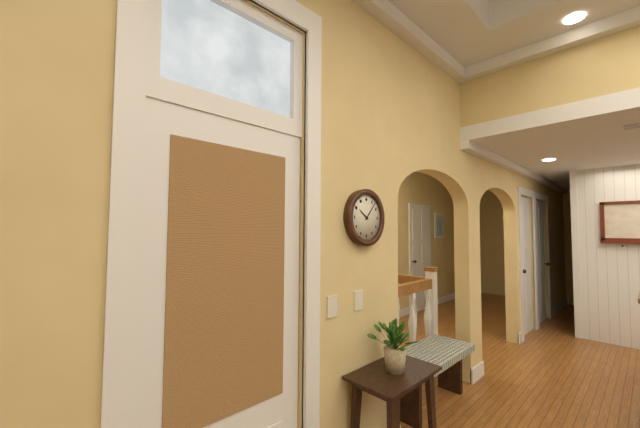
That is 10:07
